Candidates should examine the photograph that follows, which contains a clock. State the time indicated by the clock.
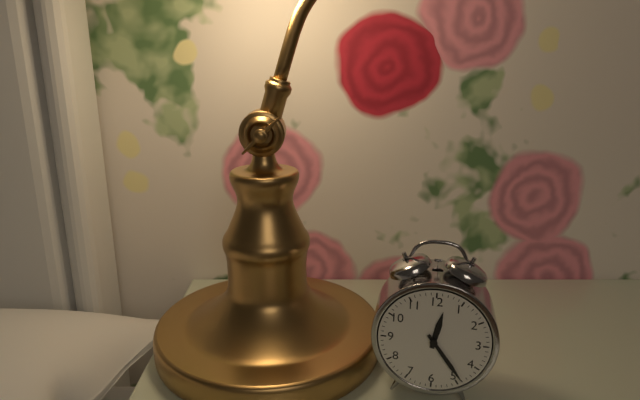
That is 12:24
